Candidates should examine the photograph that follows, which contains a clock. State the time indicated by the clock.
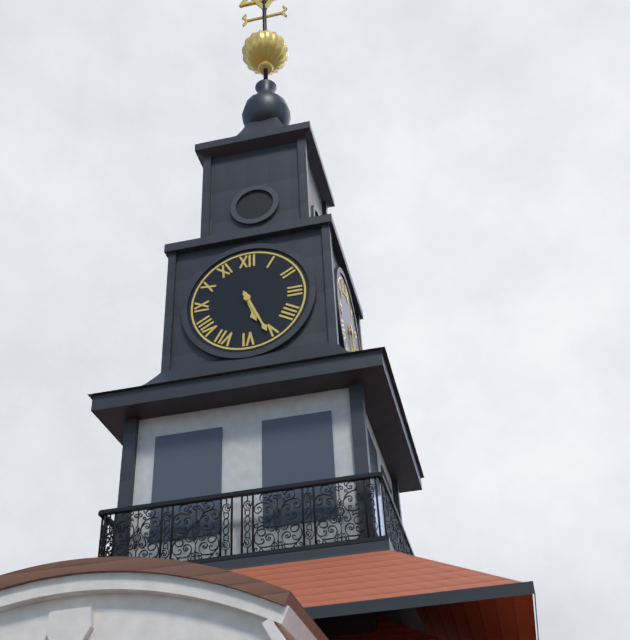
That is 5:26
